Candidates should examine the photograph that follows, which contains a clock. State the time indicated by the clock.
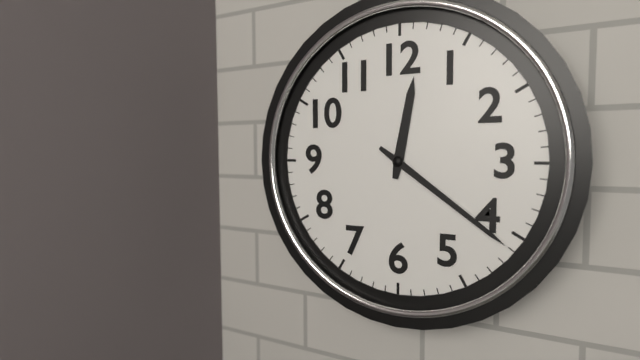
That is 12:21
